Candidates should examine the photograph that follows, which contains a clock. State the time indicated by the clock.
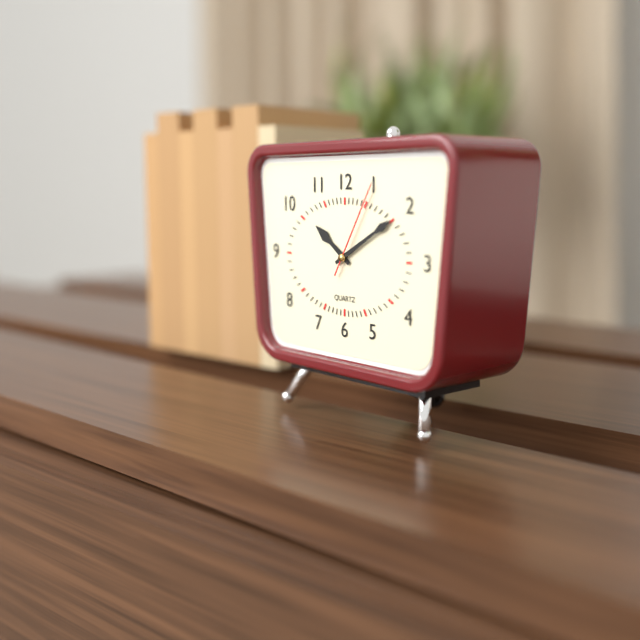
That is 10:10:05
